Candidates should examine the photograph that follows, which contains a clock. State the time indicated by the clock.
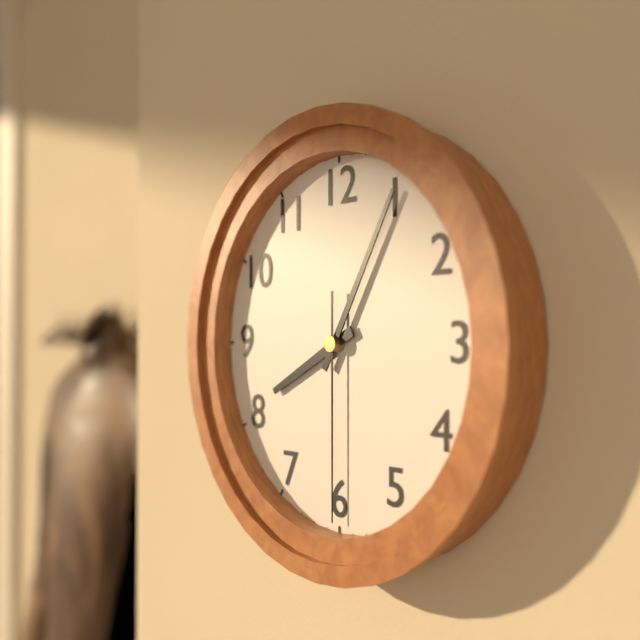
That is 8:05:30
